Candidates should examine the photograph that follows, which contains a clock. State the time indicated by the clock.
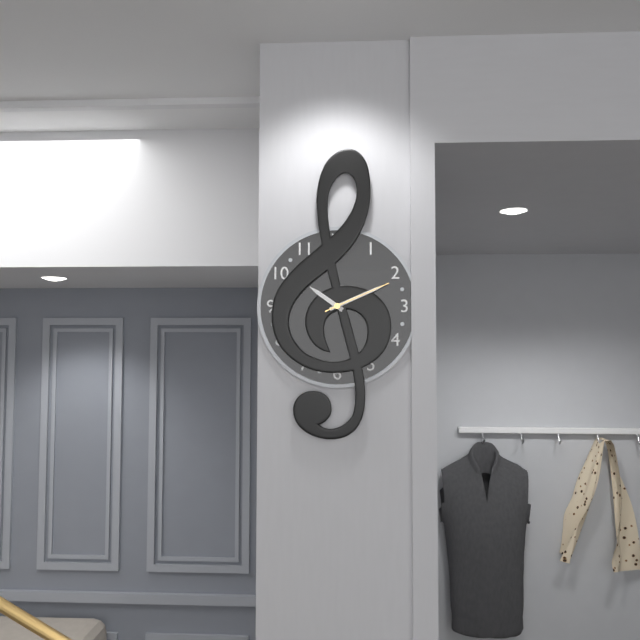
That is 10:11:11
